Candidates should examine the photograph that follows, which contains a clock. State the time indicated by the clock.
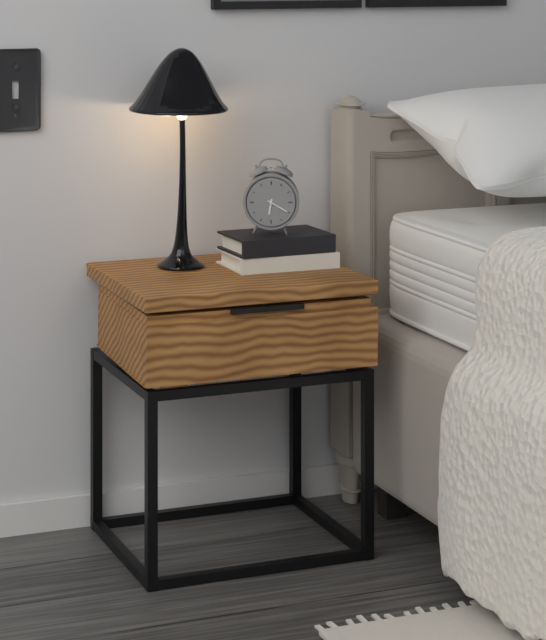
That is 6:20
